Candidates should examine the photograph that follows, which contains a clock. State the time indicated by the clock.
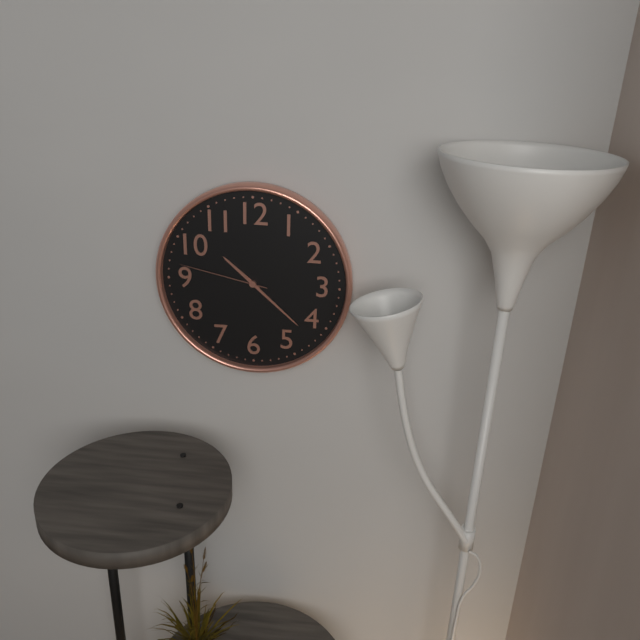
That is 10:22:47
